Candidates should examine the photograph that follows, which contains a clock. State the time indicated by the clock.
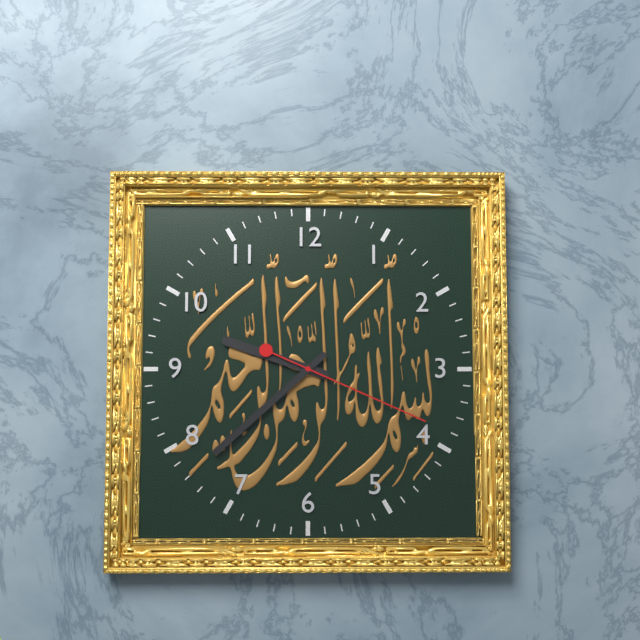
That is 9:38:19
